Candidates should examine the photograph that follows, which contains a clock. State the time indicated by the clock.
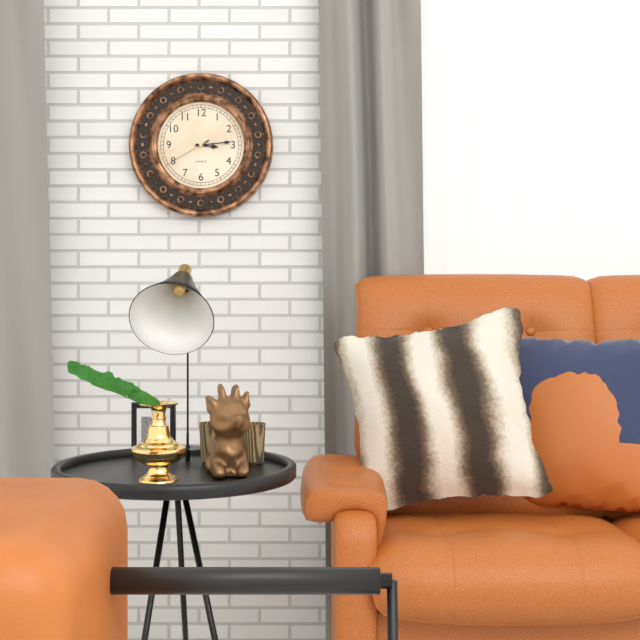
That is 3:14
